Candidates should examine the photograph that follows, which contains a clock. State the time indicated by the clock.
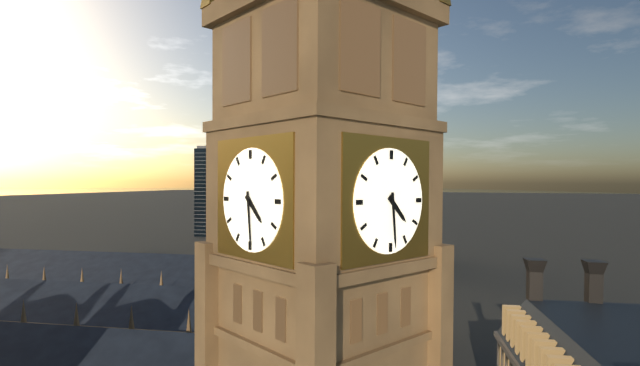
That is 4:29
